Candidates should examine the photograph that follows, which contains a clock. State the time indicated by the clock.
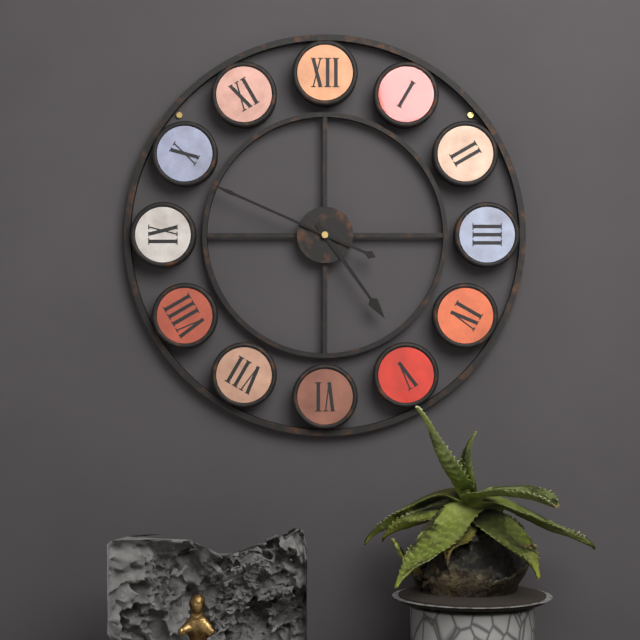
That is 4:49
